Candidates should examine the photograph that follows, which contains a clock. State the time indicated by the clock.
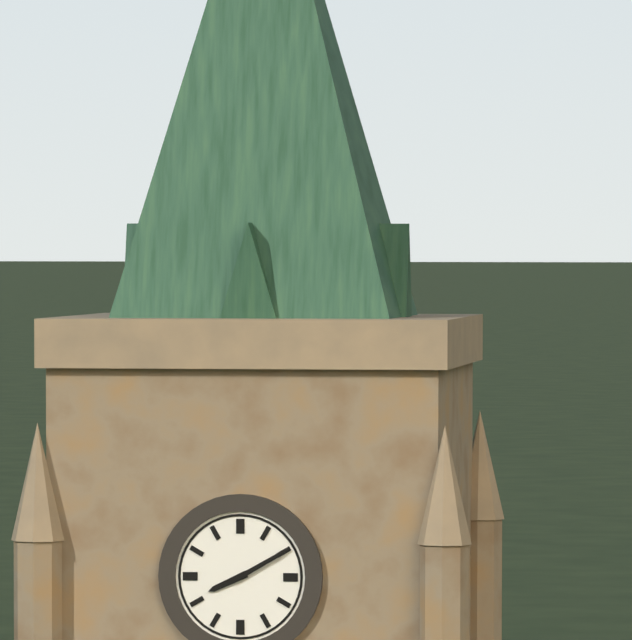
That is 8:10
